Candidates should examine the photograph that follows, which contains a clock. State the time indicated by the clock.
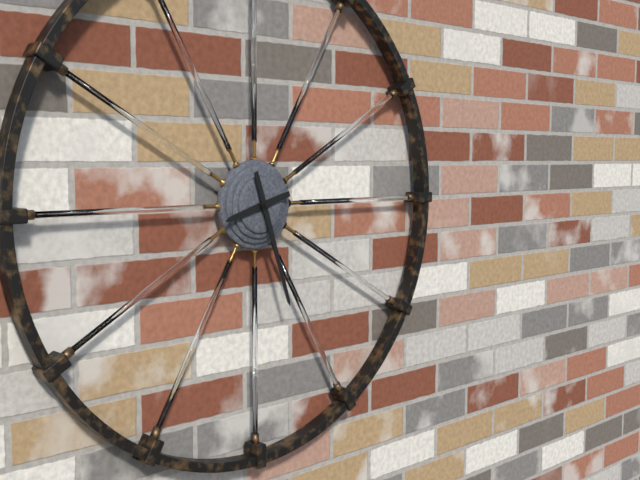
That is 8:27
